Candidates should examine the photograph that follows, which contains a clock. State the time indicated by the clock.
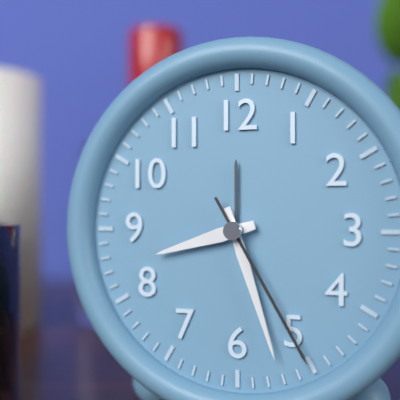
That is 8:27:25
